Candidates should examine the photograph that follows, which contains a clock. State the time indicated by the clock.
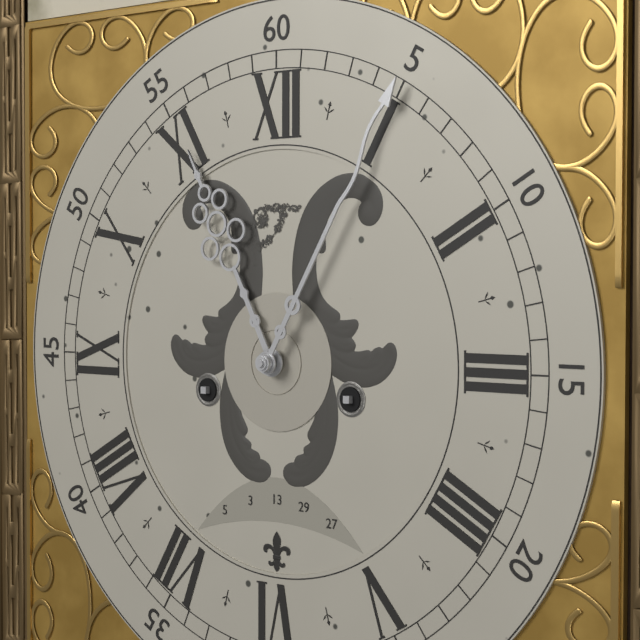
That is 11:05
